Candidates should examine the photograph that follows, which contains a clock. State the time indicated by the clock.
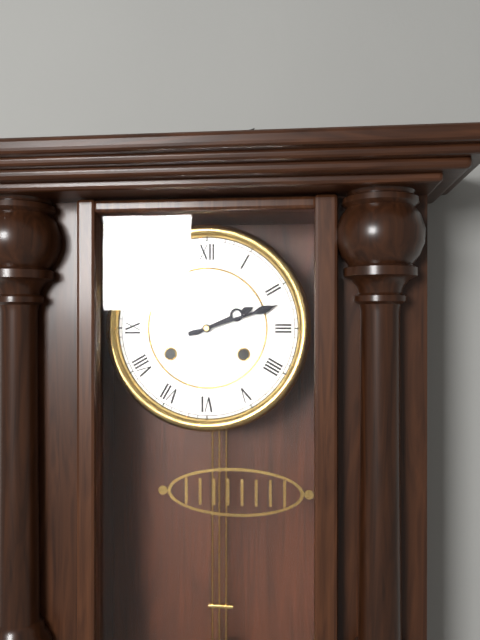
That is 2:12
